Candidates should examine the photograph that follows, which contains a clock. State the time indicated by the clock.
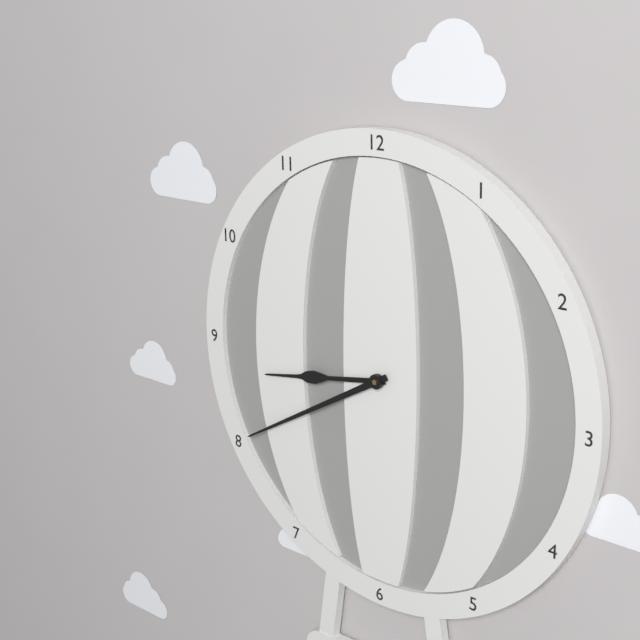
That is 8:40
